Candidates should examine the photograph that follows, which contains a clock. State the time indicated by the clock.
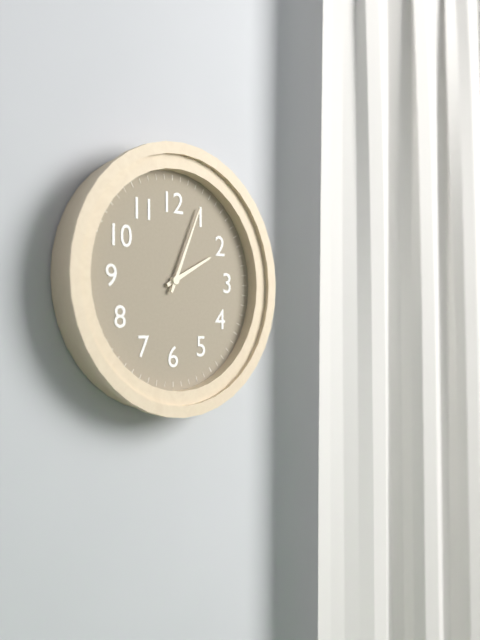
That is 2:04
